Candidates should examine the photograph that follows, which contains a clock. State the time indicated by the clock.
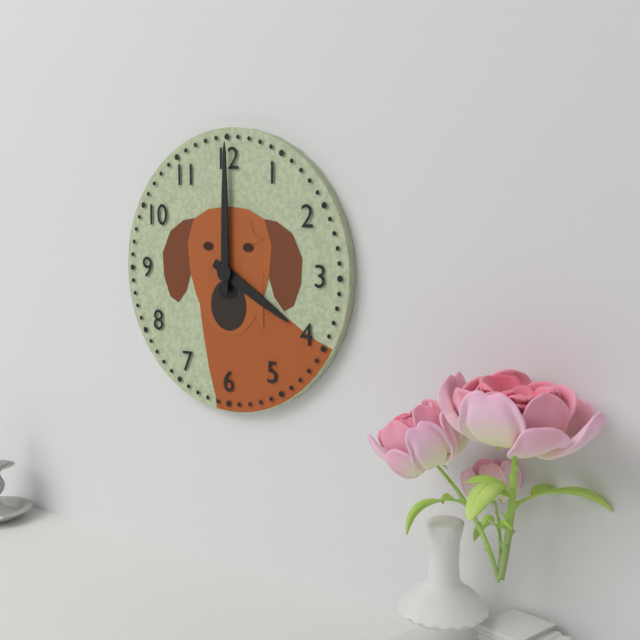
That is 4:00
